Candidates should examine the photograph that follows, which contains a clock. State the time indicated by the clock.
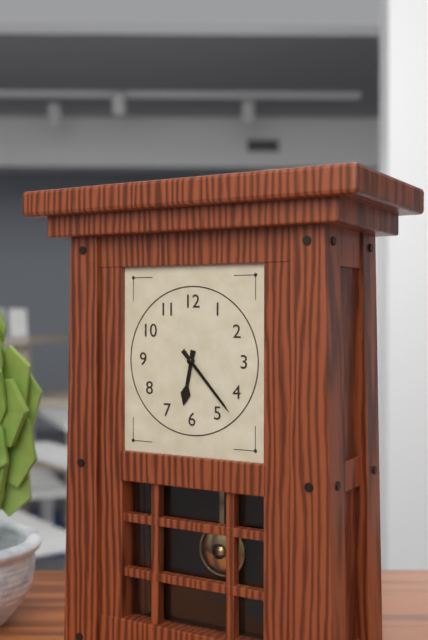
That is 6:23
